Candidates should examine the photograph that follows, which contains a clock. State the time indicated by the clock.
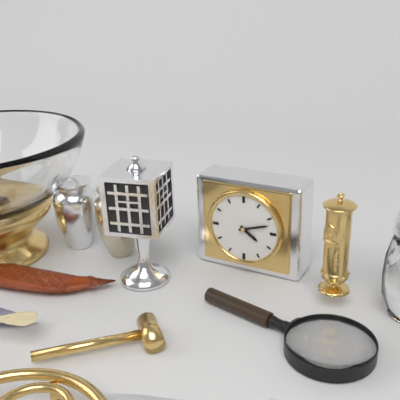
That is 4:12
